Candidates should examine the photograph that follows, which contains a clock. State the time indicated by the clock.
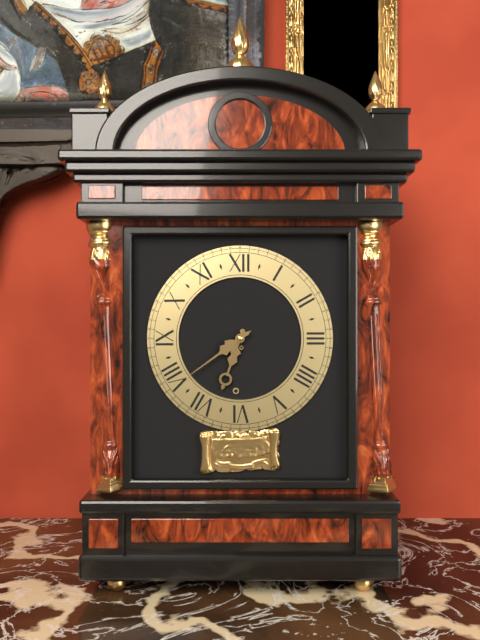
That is 6:39
